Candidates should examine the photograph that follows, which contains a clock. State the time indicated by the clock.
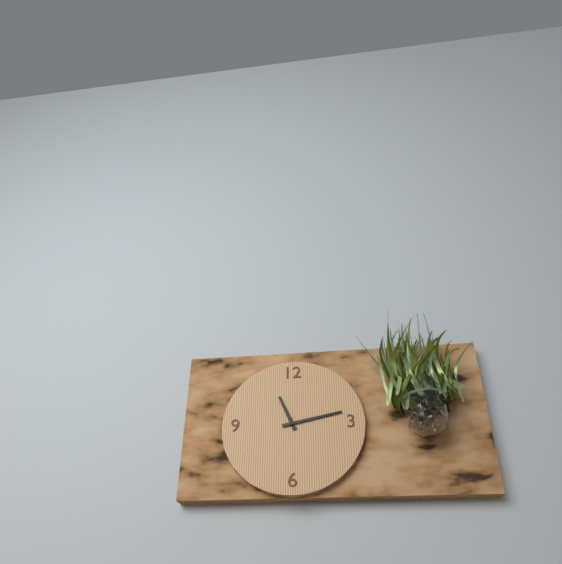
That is 11:13
